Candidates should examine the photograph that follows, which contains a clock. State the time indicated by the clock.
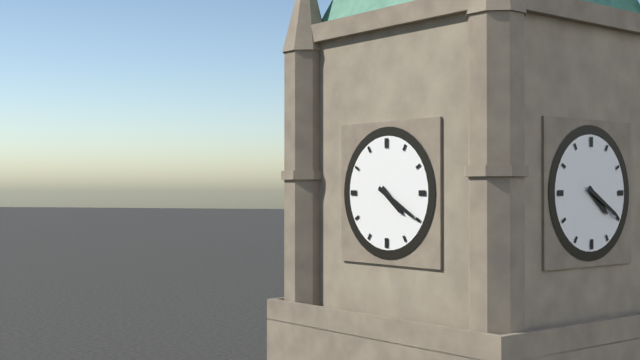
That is 4:20
